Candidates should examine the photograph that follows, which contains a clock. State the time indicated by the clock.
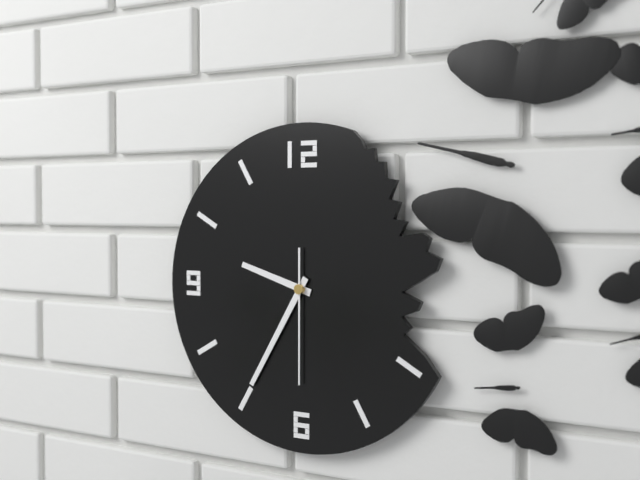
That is 9:35:30
